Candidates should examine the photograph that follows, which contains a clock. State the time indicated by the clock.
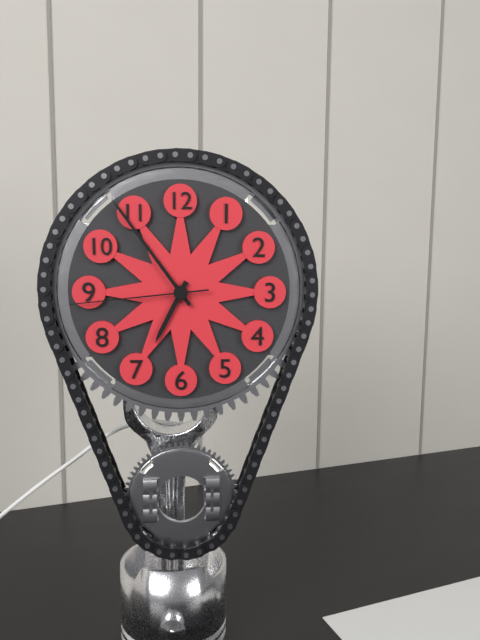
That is 6:54:44
